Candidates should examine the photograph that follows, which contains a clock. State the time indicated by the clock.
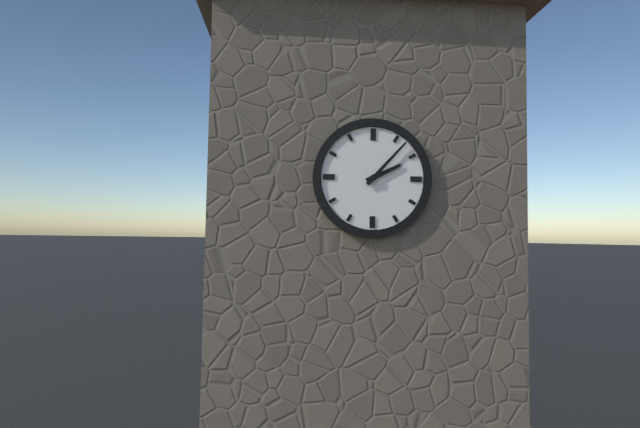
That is 2:07
